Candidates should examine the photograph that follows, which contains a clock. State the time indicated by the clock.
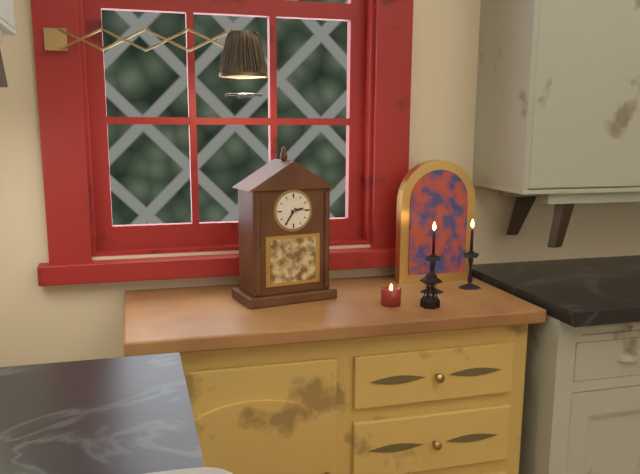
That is 2:36
